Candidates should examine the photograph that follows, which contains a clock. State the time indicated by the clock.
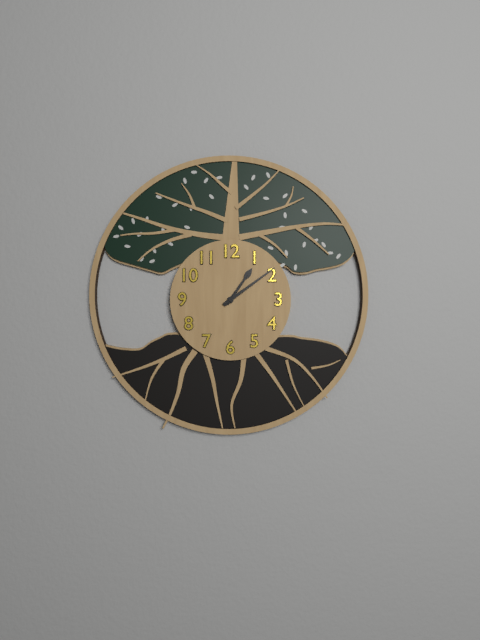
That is 1:09
